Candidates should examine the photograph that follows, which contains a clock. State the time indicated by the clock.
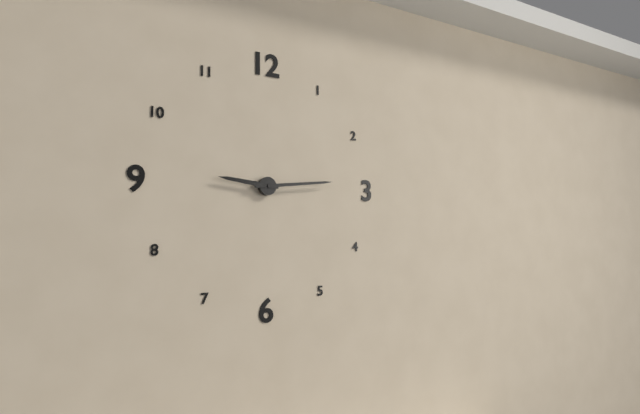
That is 9:14
